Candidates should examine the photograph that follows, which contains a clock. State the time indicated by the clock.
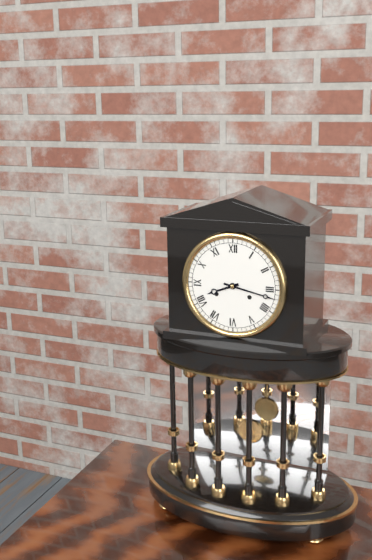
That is 8:17
